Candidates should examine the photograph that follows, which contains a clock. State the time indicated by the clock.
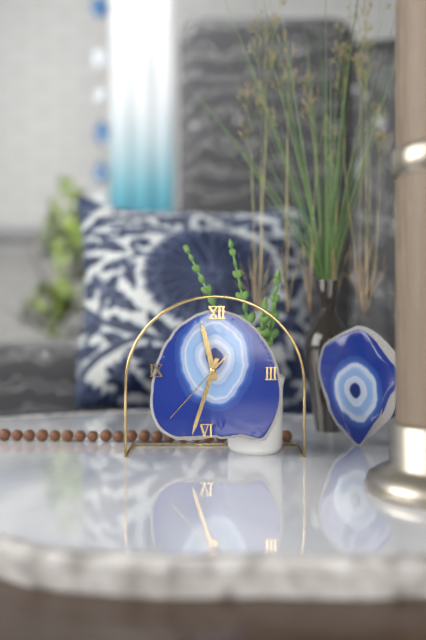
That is 11:33:37
